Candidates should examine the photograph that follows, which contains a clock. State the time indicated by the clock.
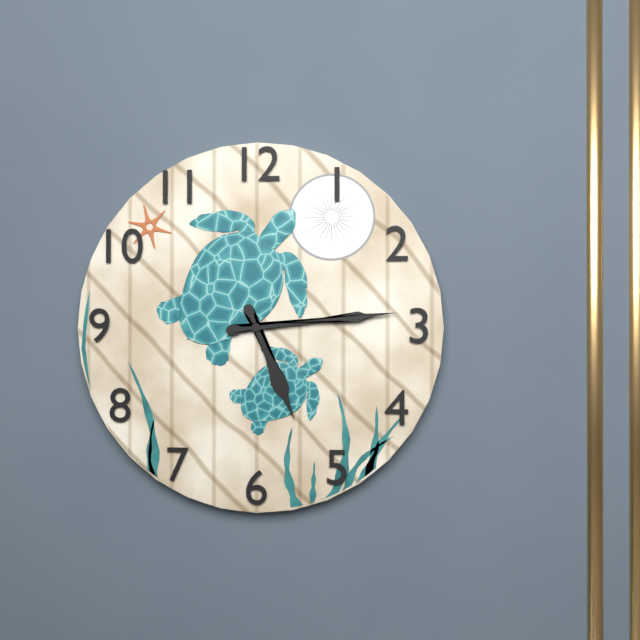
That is 5:14
